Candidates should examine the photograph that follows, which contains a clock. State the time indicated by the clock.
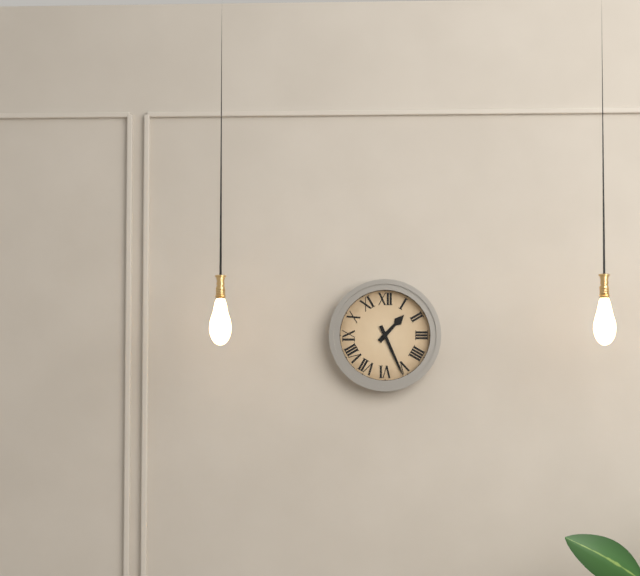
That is 1:26
